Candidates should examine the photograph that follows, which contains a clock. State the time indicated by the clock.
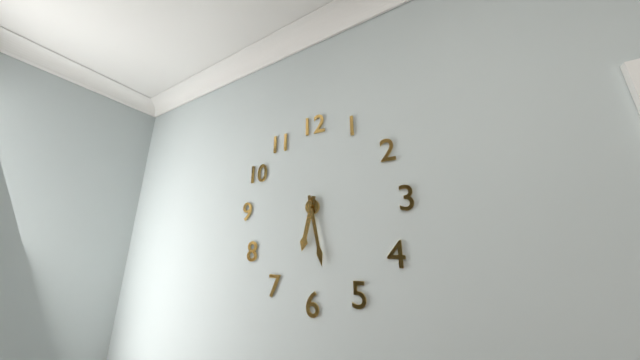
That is 6:28
